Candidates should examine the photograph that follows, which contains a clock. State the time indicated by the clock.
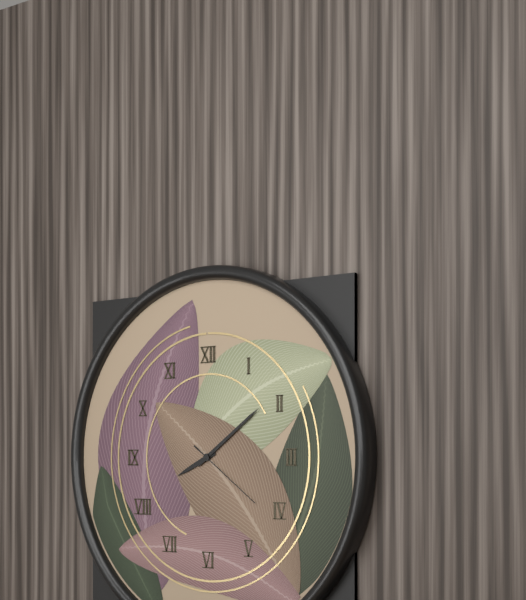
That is 8:09:21
